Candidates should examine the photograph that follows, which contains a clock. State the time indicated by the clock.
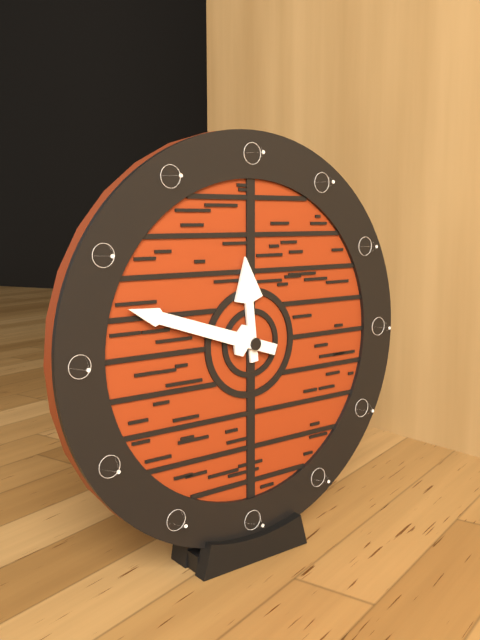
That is 11:48
